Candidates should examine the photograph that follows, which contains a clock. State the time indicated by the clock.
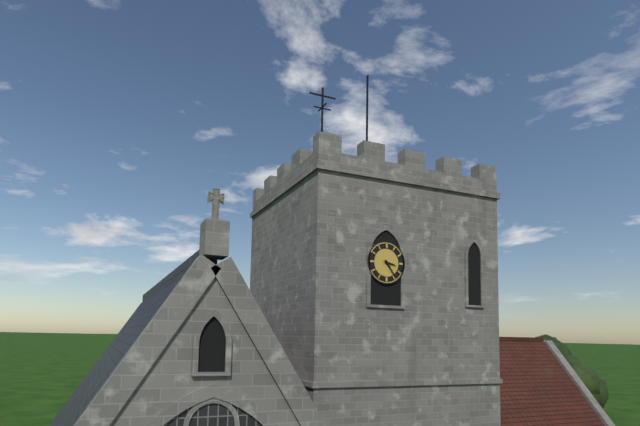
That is 3:24
